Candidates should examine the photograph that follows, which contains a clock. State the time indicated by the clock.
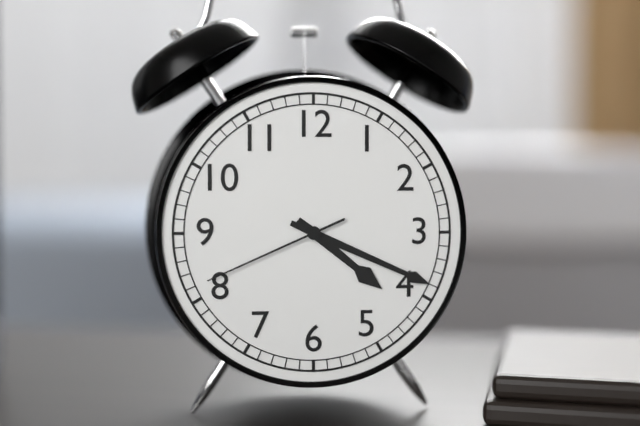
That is 4:19:41
